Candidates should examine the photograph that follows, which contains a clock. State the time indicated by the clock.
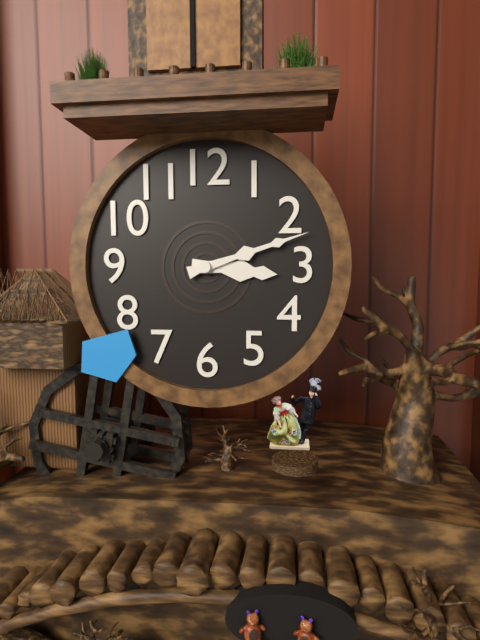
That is 3:12
